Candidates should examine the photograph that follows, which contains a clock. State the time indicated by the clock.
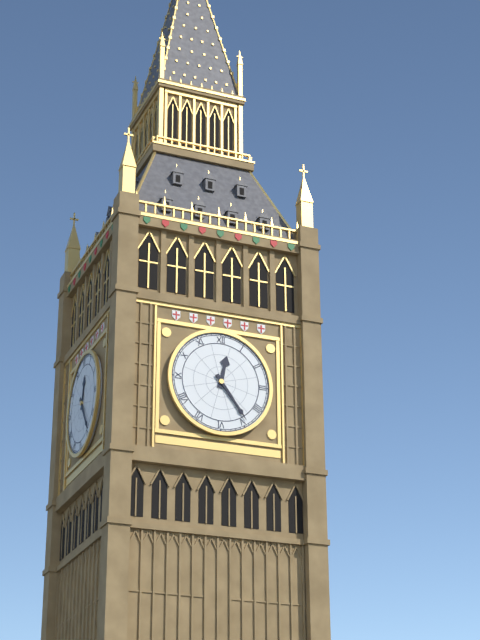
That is 12:24
